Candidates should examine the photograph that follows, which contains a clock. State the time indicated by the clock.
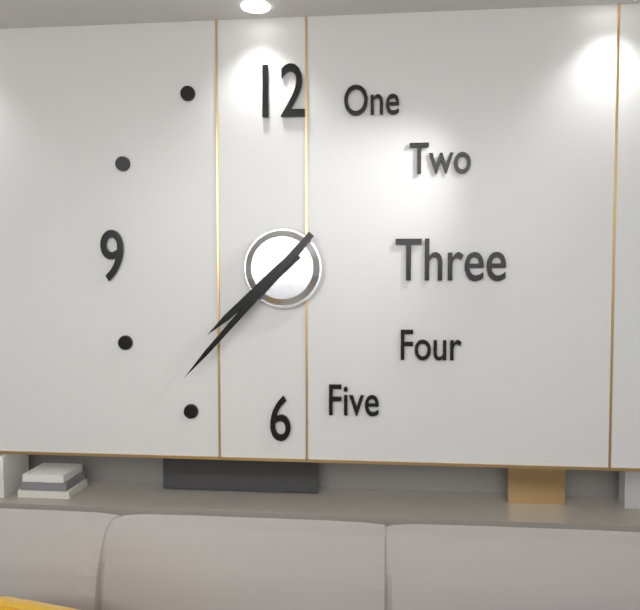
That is 7:37
